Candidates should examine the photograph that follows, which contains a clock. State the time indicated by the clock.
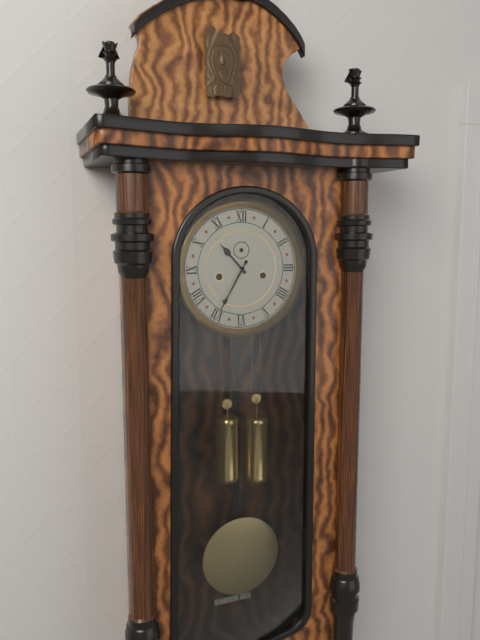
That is 10:35
